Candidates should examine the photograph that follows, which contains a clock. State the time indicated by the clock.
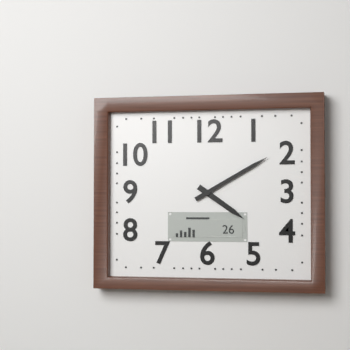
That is 4:10
